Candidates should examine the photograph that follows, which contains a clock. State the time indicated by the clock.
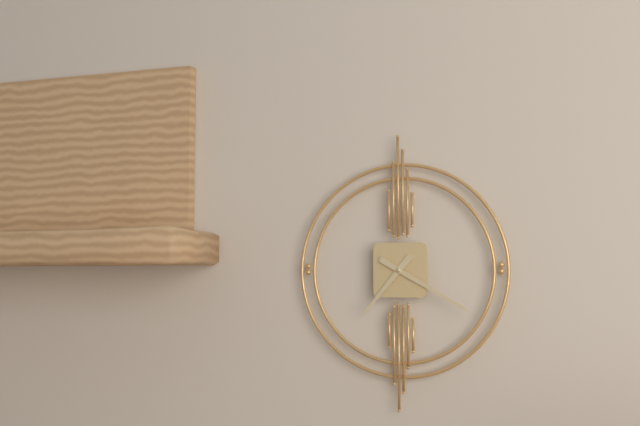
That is 7:20
